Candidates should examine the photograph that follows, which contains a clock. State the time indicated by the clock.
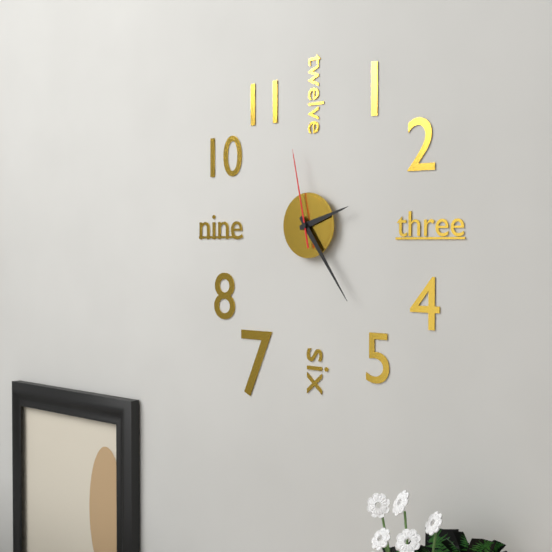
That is 2:24:58
